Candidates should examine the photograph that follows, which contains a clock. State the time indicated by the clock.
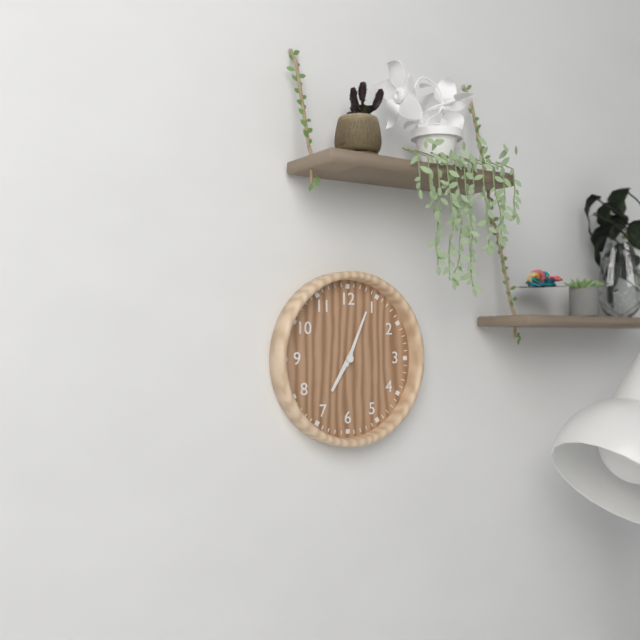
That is 7:04
